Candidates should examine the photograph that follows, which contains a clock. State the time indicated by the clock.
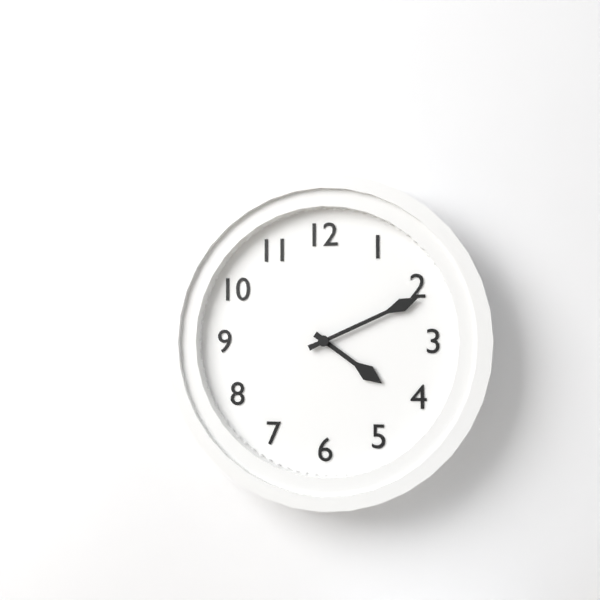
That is 4:11
